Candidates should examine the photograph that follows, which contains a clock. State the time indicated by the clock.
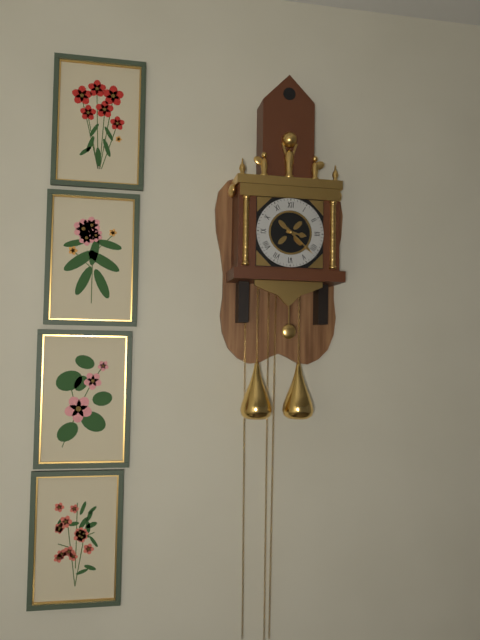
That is 3:22
